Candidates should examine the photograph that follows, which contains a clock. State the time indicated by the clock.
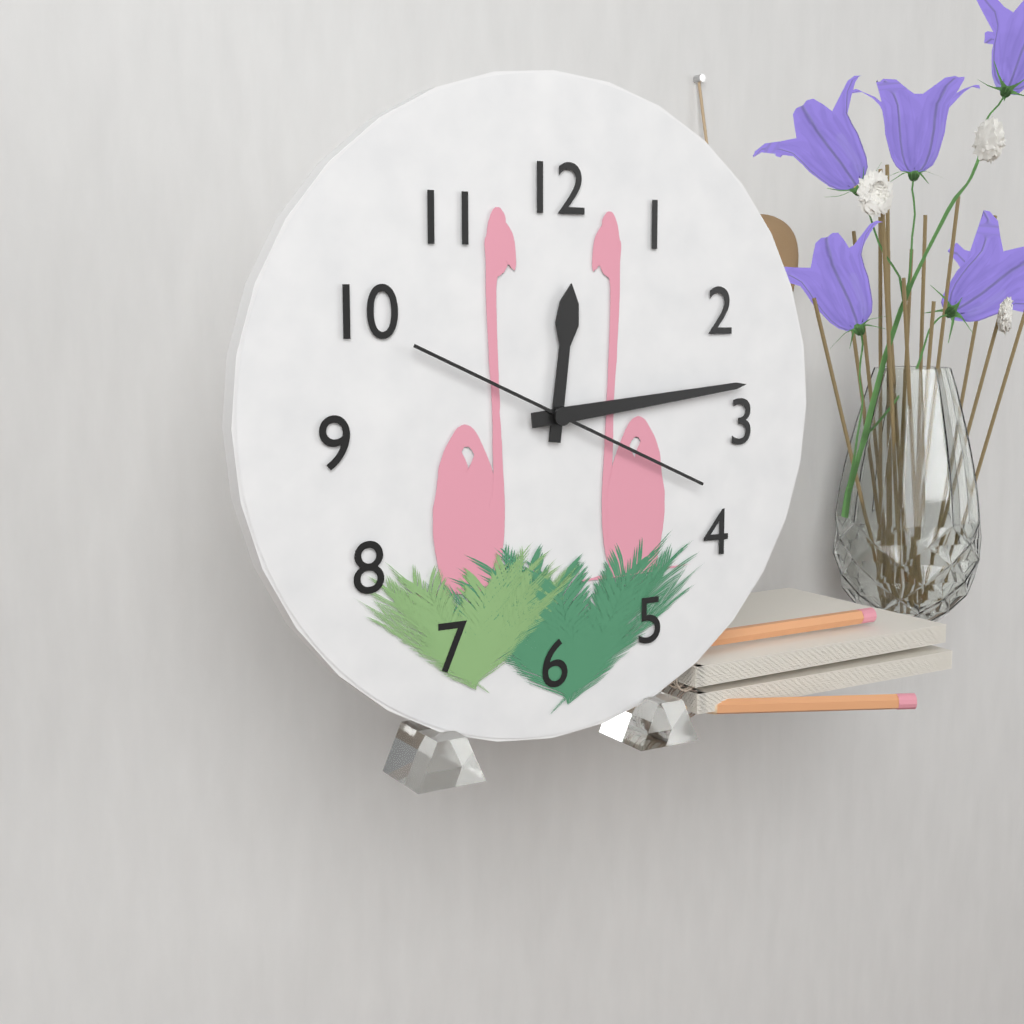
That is 12:14:19
